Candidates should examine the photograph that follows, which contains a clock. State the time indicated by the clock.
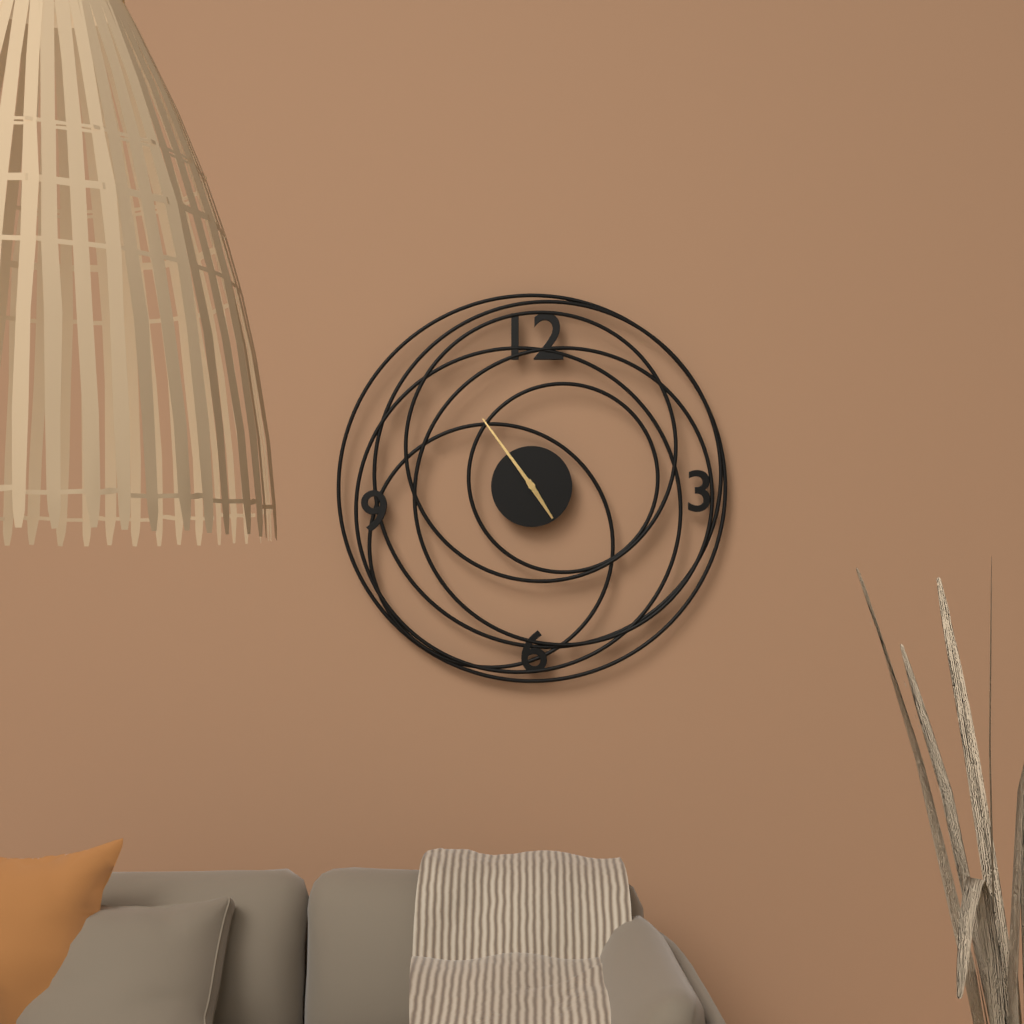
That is 4:54
